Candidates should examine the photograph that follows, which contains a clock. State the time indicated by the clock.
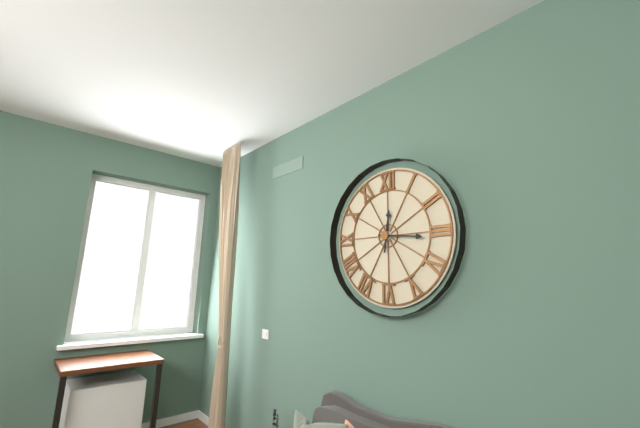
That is 12:16
